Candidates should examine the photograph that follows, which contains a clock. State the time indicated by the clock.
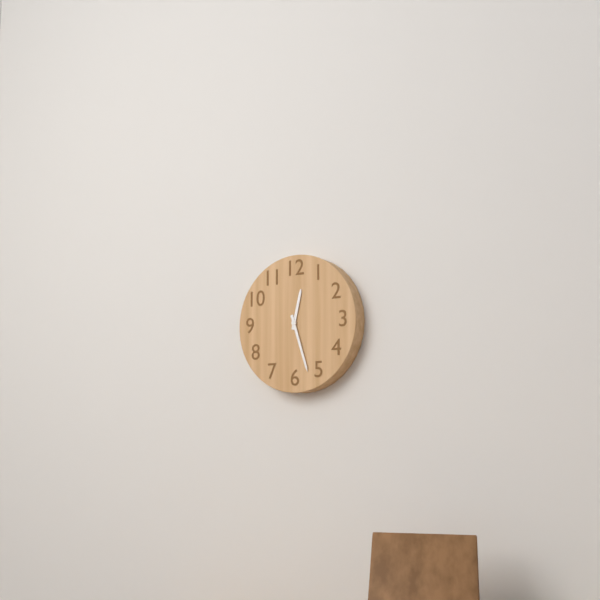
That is 12:27
